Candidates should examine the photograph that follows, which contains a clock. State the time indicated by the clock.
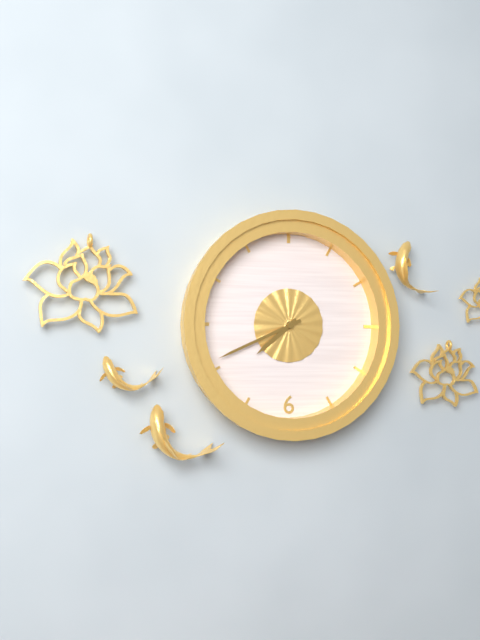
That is 7:41
